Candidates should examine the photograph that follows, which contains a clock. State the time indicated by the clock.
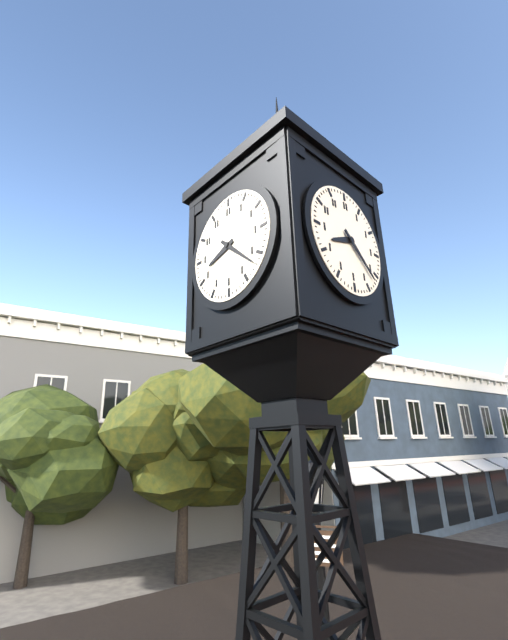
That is 8:22
